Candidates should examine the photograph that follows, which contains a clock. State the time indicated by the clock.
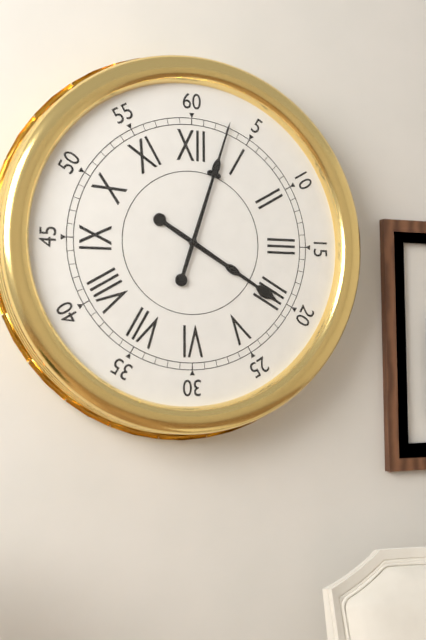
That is 4:03
